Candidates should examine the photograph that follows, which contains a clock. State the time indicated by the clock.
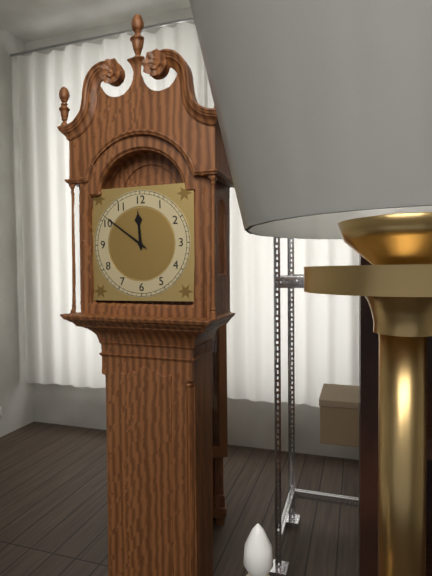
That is 11:51
